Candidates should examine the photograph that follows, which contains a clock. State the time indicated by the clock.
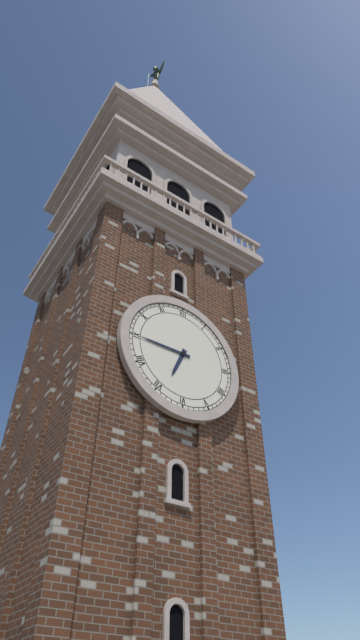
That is 6:45
